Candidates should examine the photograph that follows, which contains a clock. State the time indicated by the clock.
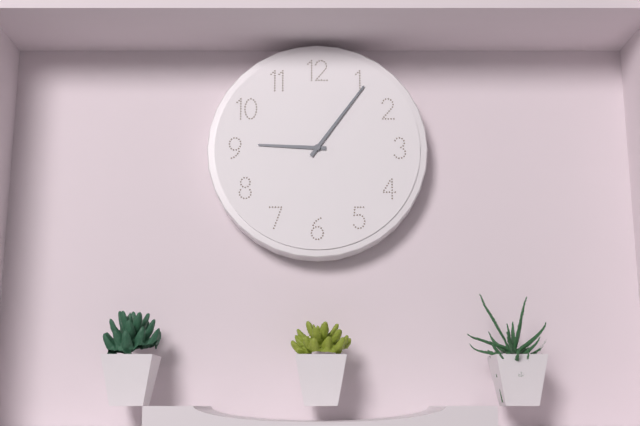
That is 9:06
